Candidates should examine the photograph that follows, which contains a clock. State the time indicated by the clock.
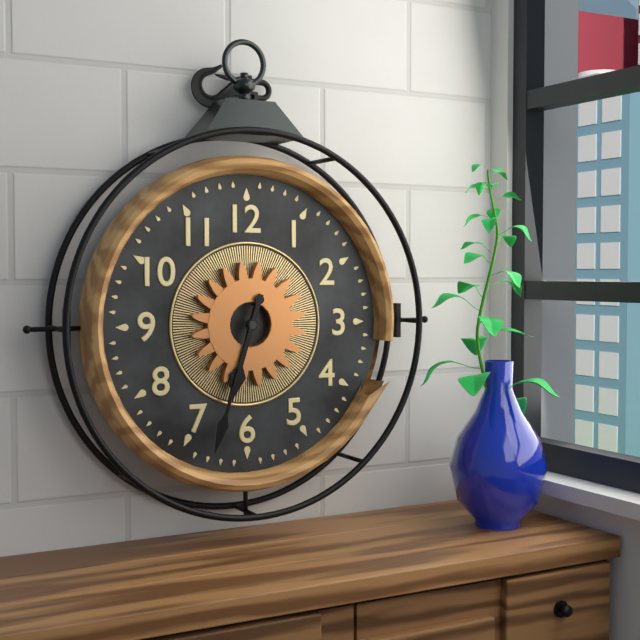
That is 6:33
